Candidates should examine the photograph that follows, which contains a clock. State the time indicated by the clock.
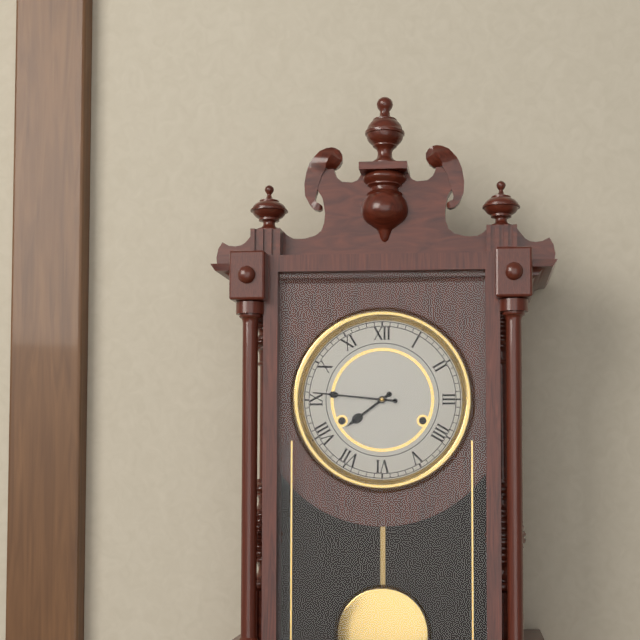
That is 7:46
